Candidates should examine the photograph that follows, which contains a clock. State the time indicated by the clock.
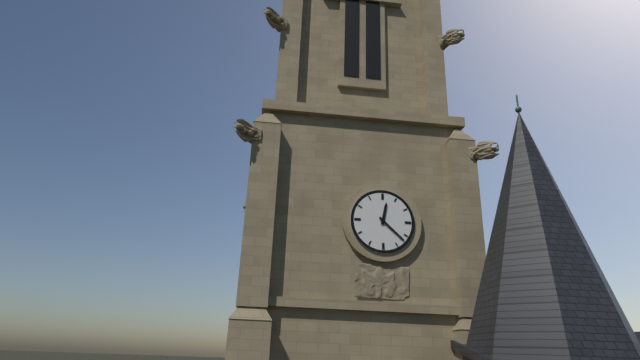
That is 12:22
